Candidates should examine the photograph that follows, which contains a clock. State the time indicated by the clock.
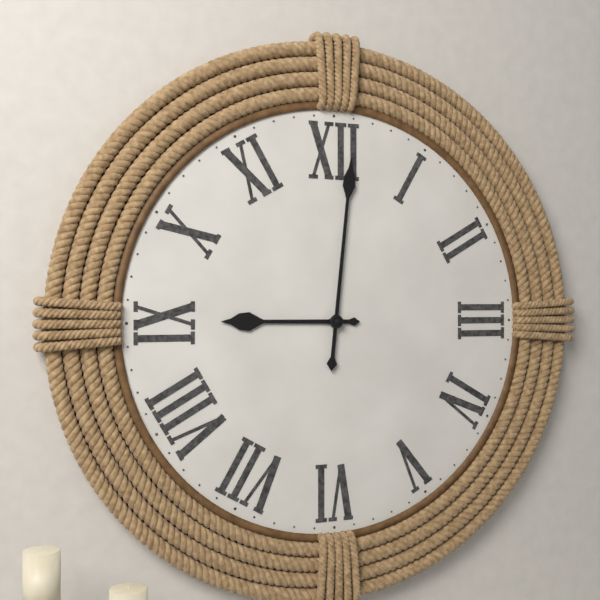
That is 9:01
